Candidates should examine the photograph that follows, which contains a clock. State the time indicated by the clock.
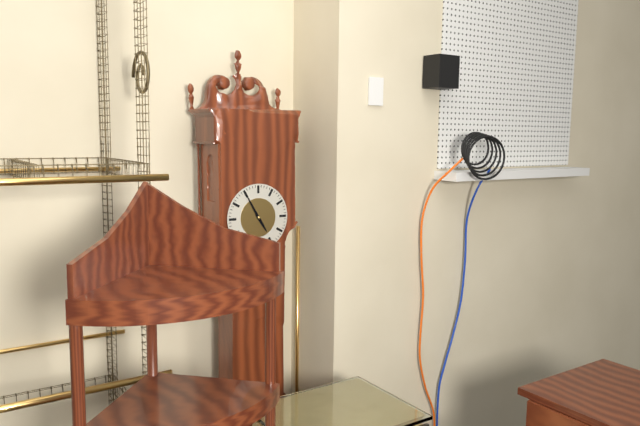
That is 4:55
